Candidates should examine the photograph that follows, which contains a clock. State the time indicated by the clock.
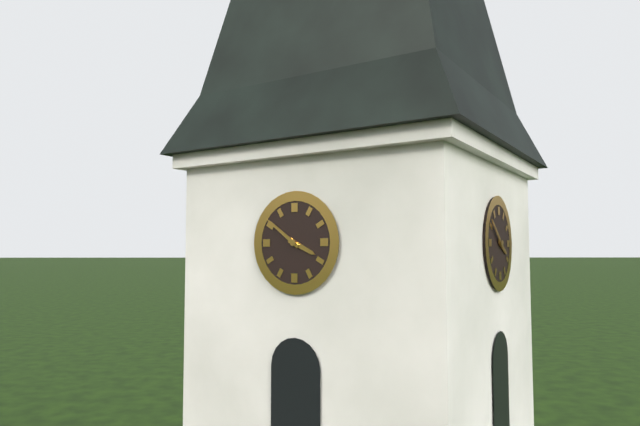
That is 3:51
